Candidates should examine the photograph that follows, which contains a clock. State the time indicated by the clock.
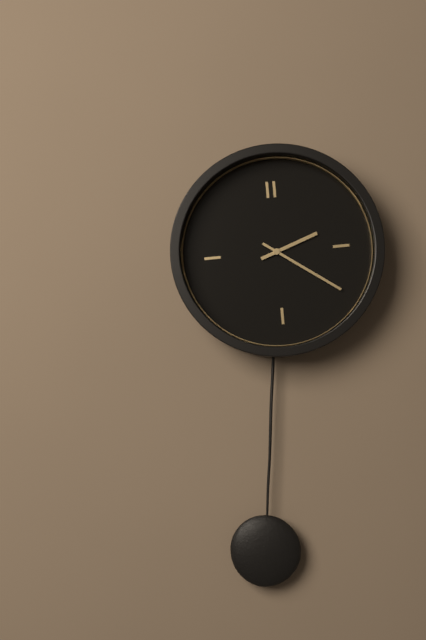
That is 2:21
